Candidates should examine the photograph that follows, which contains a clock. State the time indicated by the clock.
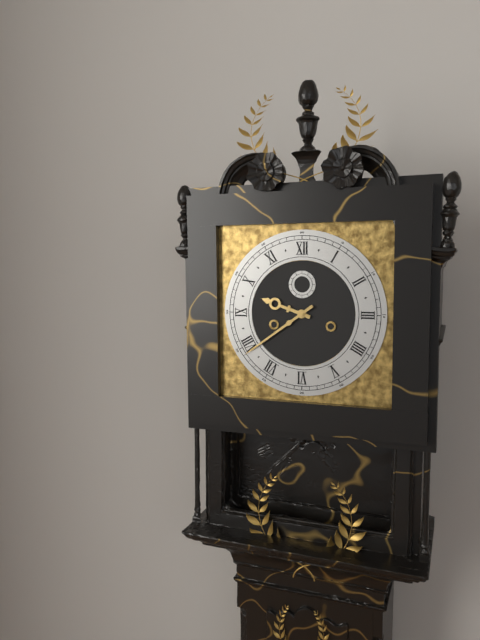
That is 9:39
